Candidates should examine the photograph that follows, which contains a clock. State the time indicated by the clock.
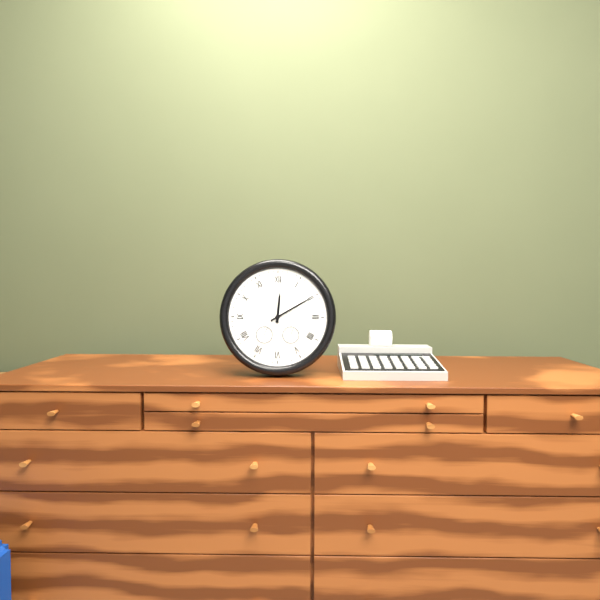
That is 12:10
